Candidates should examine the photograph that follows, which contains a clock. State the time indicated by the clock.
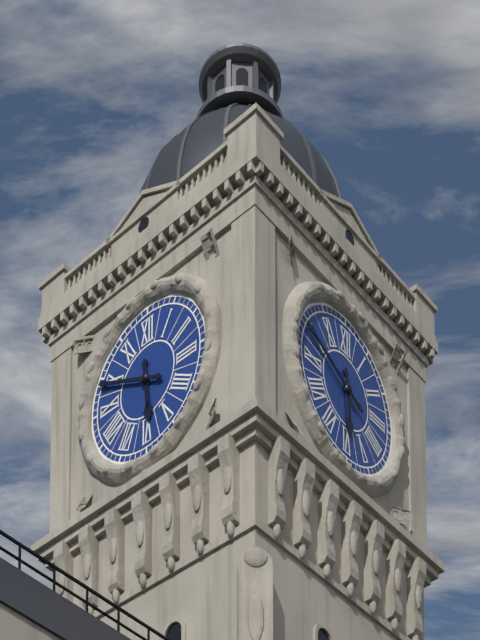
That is 5:49
